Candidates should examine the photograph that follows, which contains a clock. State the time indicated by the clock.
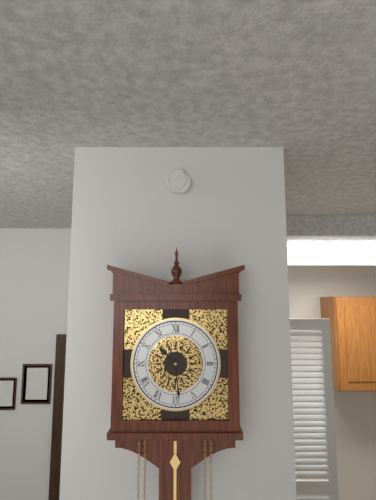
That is 10:29
